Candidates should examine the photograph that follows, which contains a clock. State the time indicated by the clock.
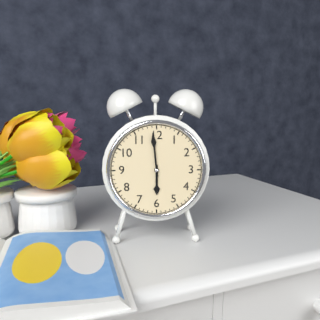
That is 5:59
